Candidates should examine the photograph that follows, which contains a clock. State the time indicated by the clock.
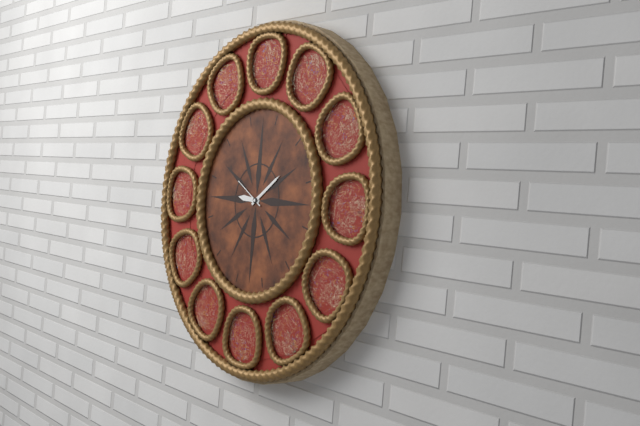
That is 9:09
